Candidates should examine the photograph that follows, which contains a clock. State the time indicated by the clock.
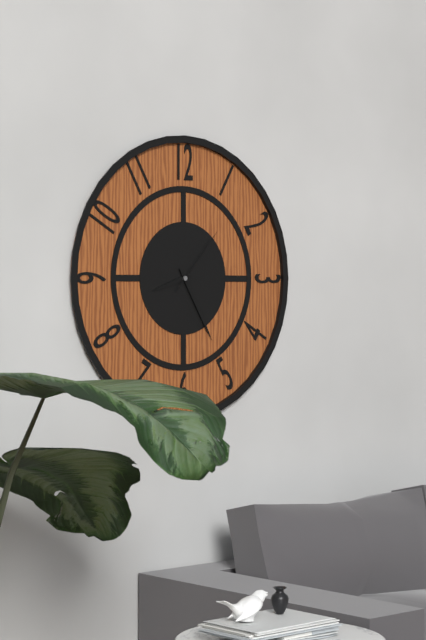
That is 8:25:07
